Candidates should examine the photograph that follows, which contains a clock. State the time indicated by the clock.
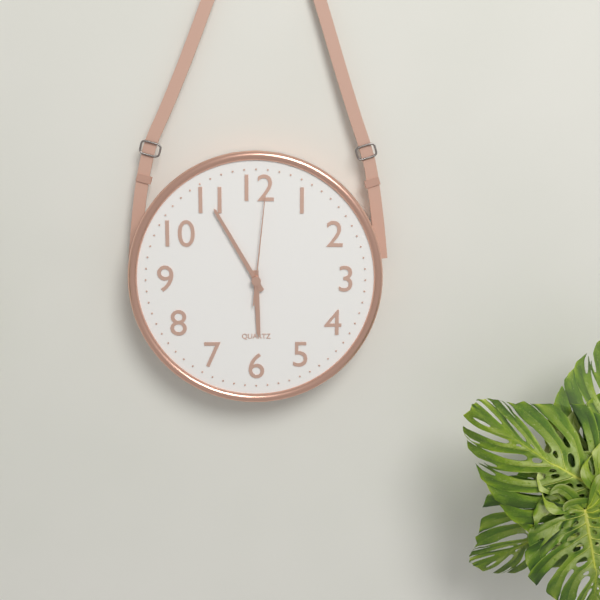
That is 5:55:01
